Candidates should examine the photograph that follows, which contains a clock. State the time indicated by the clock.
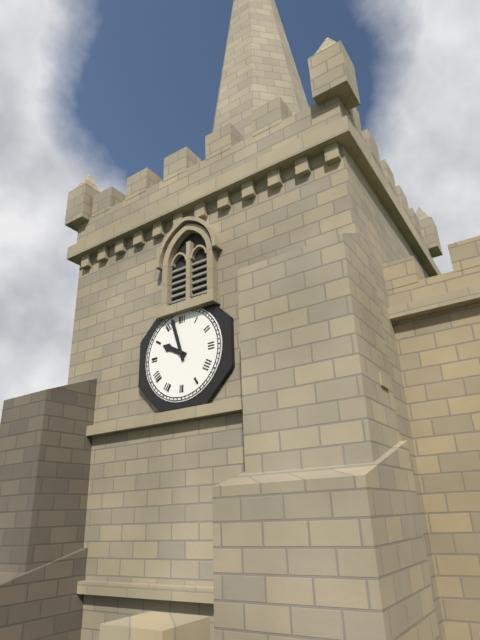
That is 9:57
